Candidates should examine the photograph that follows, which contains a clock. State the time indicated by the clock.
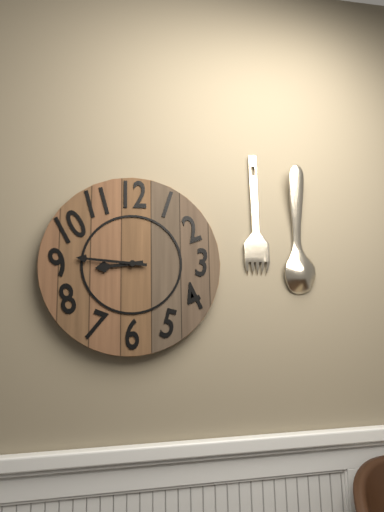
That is 8:46
